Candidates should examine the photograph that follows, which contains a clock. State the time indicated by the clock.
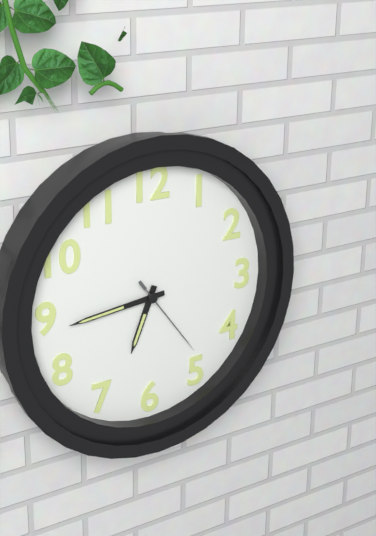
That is 6:44:24
